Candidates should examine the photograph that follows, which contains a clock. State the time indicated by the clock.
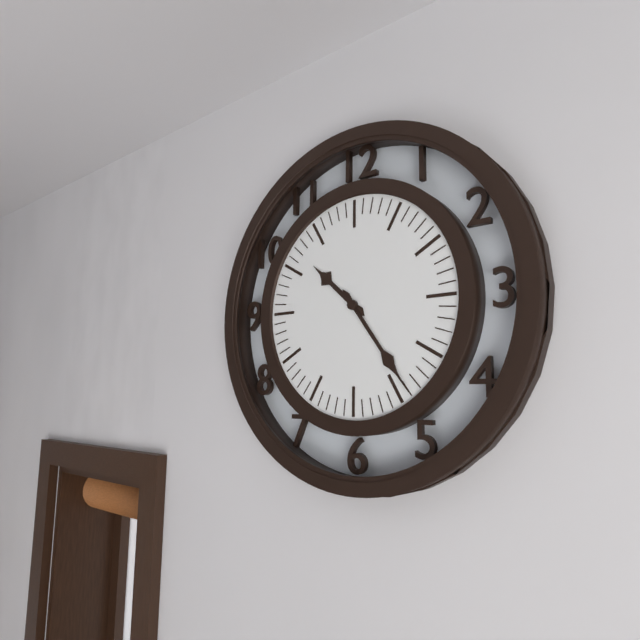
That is 10:24
